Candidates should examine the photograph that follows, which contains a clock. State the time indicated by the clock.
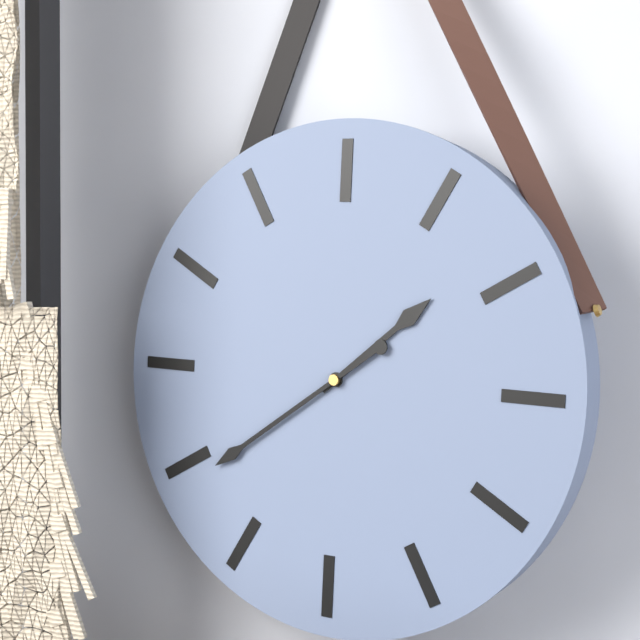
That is 1:39
